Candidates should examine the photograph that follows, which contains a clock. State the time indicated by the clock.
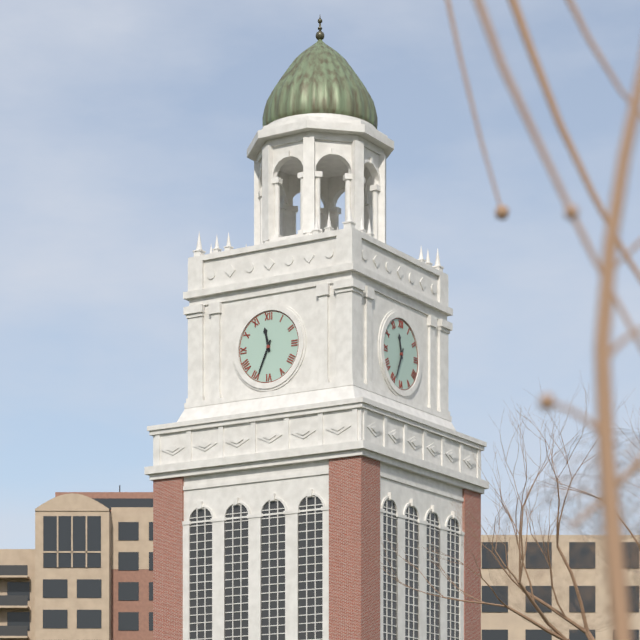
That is 11:34
